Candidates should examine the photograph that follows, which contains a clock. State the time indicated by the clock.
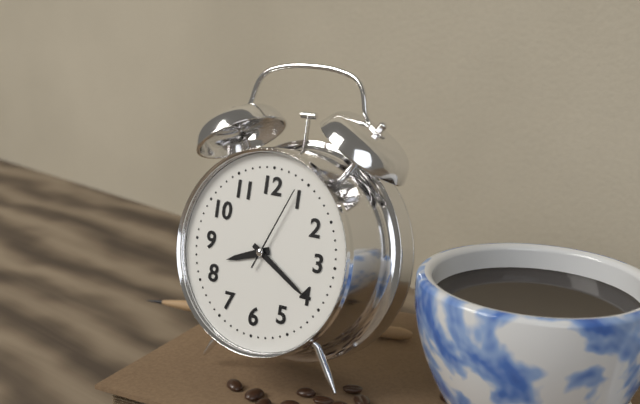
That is 8:20:04
